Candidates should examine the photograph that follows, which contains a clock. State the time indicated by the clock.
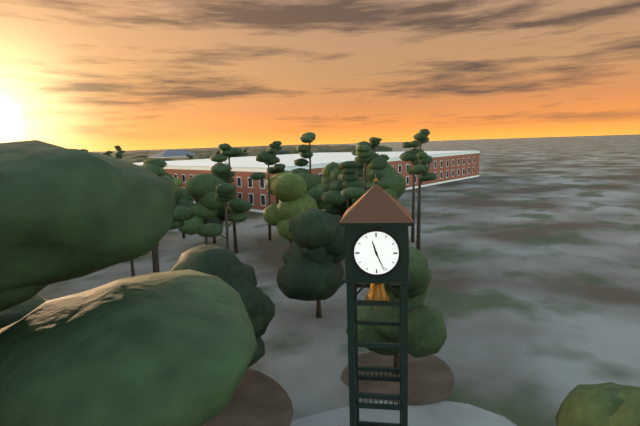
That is 11:26
